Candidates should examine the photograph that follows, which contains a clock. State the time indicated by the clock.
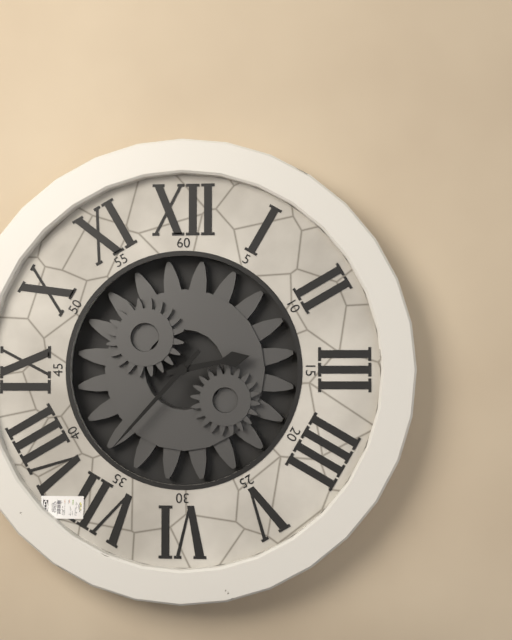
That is 2:37
